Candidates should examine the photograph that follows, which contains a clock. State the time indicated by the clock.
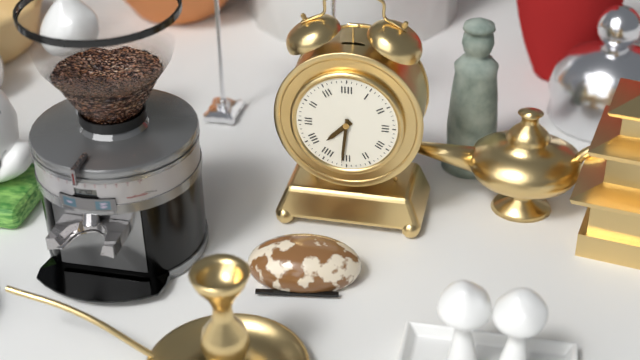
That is 7:31
